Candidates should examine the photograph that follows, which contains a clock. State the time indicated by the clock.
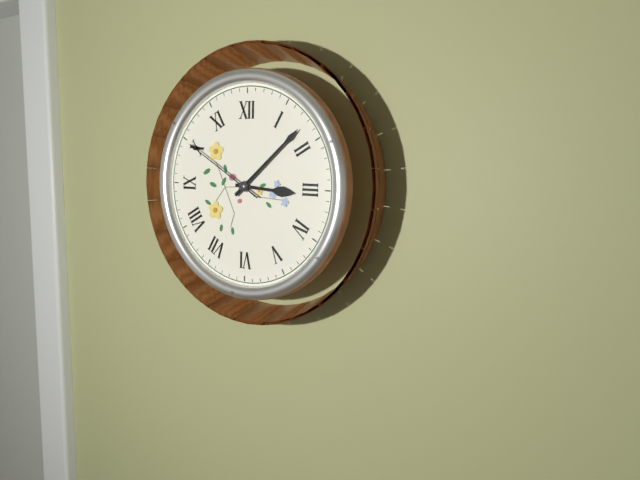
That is 3:08:50
